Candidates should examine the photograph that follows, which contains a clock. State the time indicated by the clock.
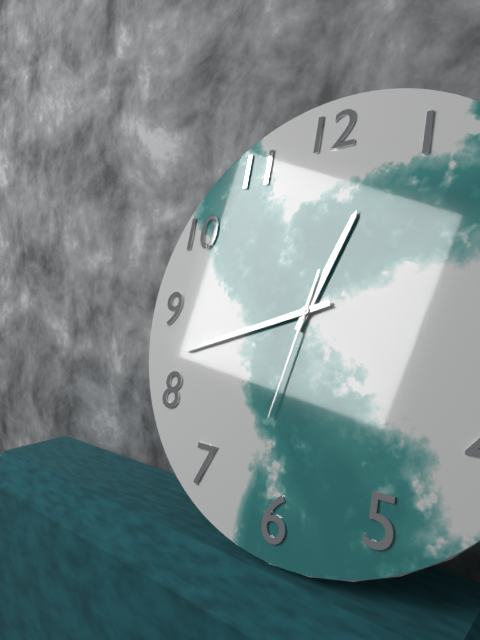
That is 12:42:32
